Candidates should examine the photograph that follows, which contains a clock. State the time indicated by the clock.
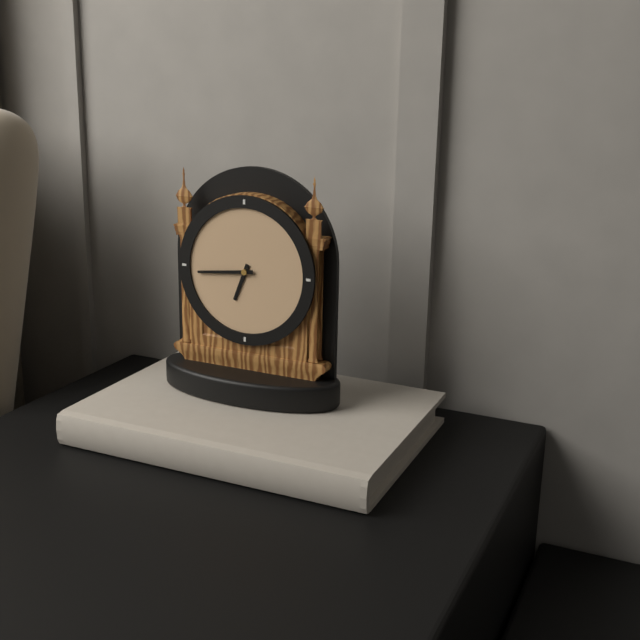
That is 6:44
